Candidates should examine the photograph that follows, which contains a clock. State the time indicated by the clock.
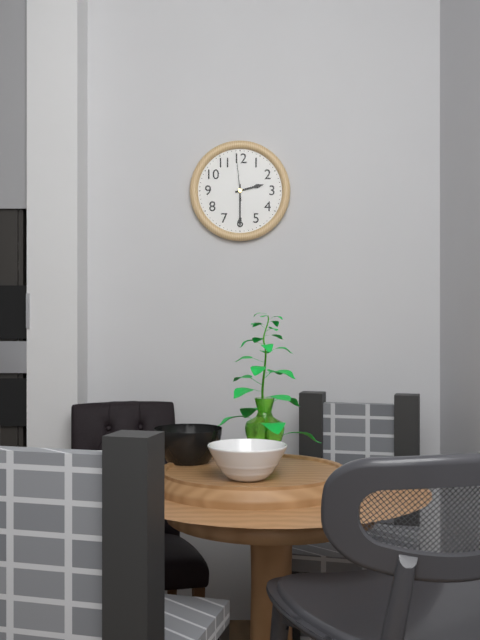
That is 2:30
